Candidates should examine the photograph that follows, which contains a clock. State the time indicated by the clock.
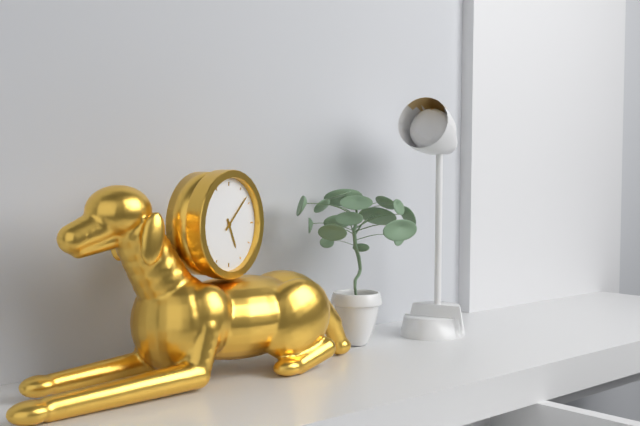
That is 5:08
